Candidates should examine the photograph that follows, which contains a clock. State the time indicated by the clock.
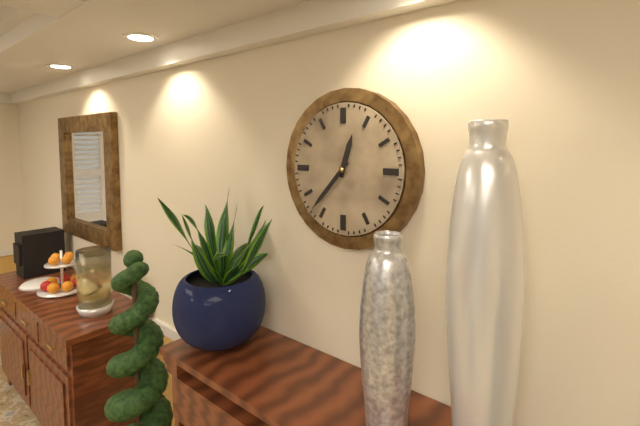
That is 12:37
